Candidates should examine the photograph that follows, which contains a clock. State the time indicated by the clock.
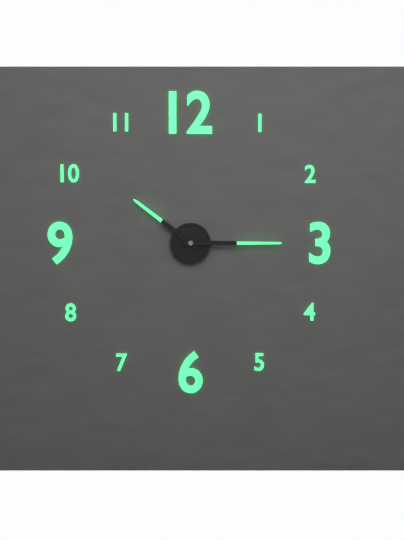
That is 10:15
